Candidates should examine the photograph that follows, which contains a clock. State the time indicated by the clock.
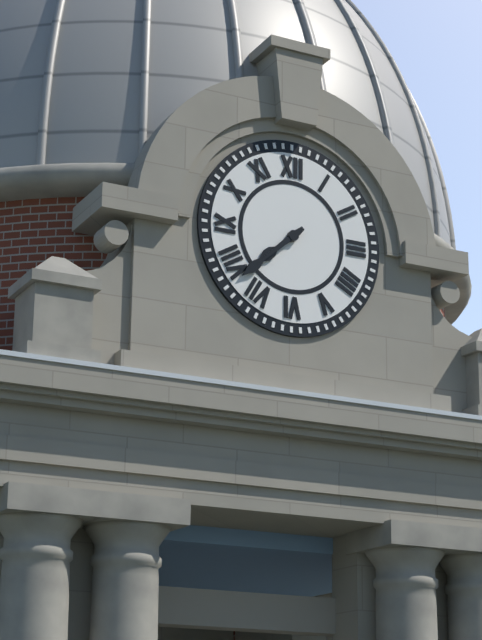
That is 7:38
